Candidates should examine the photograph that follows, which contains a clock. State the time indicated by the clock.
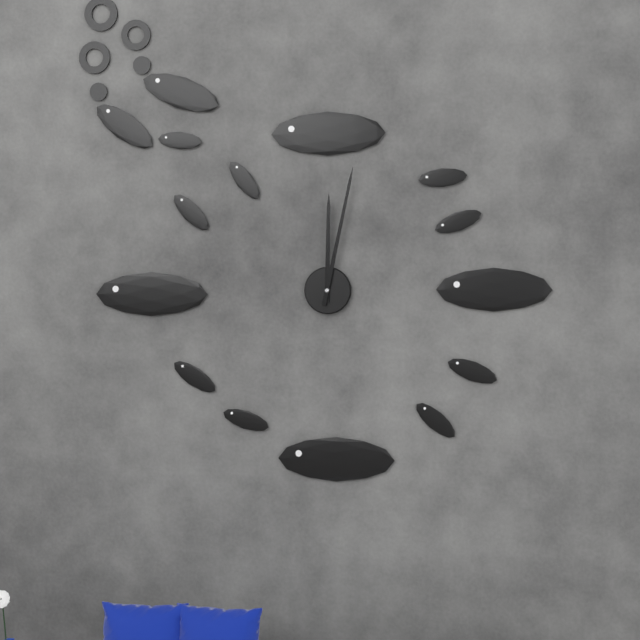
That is 12:02
